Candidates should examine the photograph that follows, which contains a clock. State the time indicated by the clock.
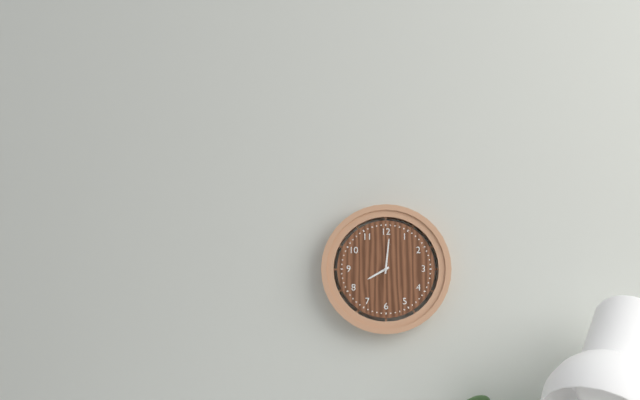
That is 8:01
